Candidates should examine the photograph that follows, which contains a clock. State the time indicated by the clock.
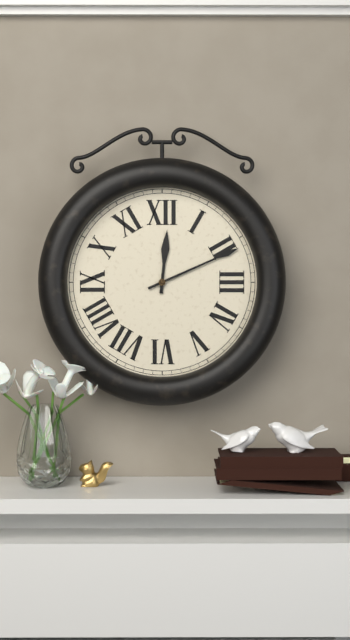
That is 12:11
